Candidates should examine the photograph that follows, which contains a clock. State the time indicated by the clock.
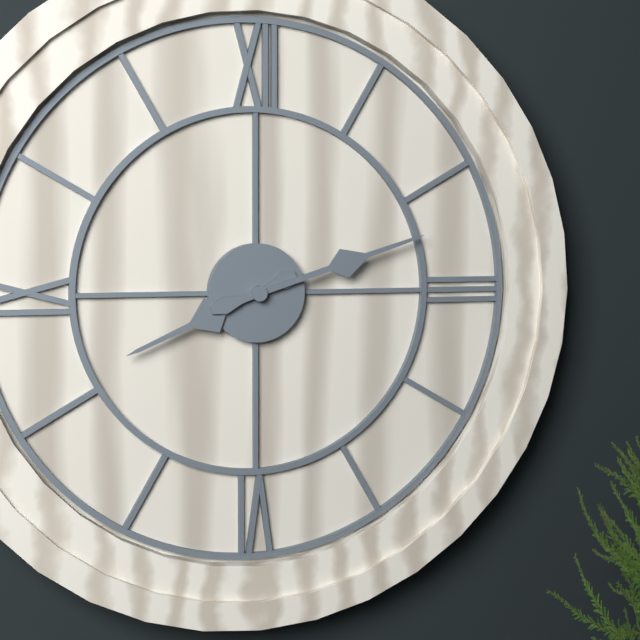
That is 8:12
